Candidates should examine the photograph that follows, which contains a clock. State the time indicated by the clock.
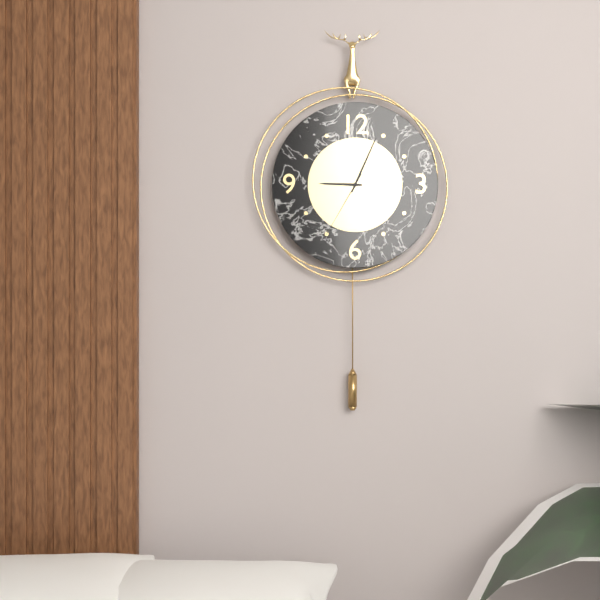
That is 9:04:35
